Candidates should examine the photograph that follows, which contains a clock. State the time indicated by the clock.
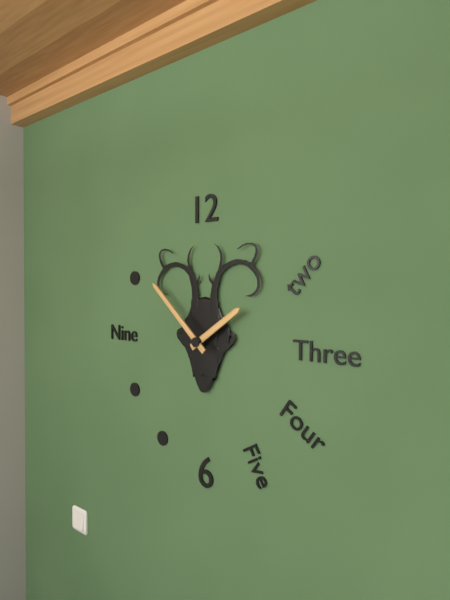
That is 1:52
